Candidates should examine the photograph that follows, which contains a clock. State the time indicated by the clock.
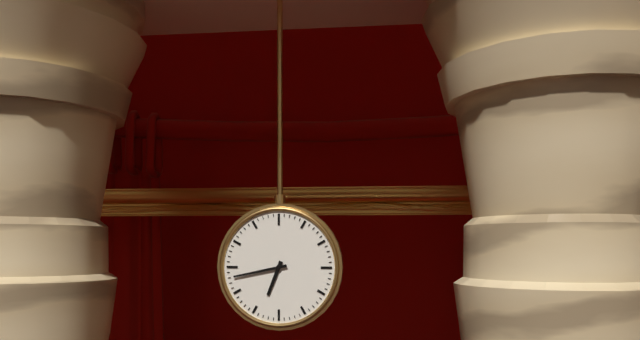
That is 6:43
